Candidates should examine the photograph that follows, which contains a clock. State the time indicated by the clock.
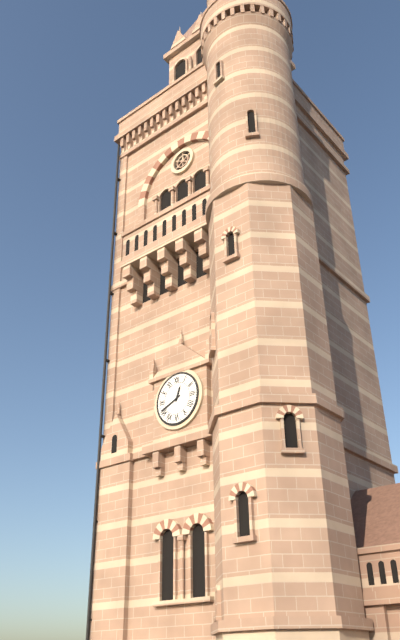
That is 12:41
